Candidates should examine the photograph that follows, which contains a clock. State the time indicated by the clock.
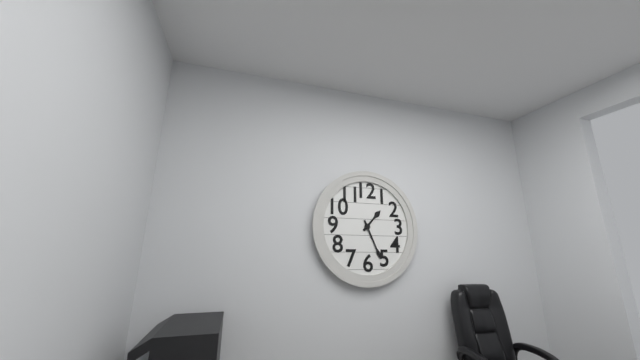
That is 1:26
